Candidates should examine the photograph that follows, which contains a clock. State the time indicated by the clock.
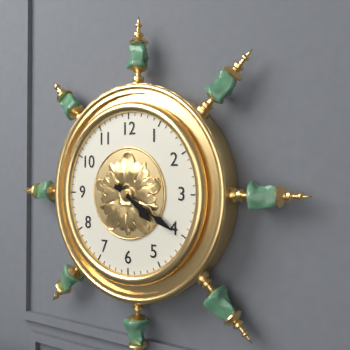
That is 4:20
